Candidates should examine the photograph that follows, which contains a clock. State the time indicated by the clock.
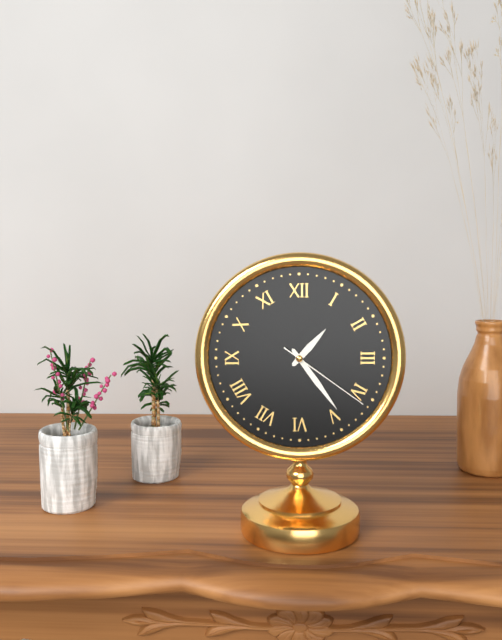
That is 1:24:21
